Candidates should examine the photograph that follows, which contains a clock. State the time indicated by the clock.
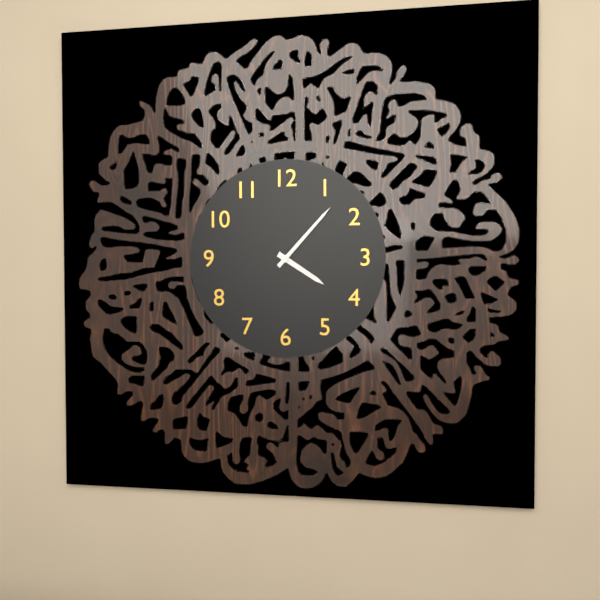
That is 4:07
